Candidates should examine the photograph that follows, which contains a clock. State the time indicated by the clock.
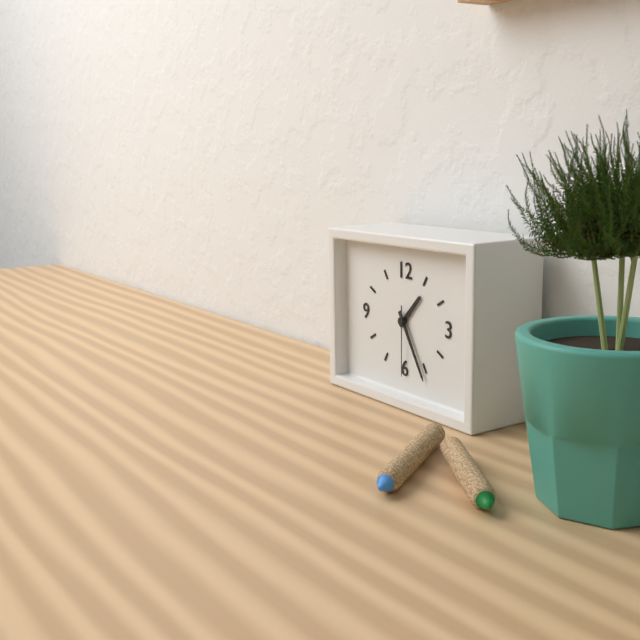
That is 1:25:30
